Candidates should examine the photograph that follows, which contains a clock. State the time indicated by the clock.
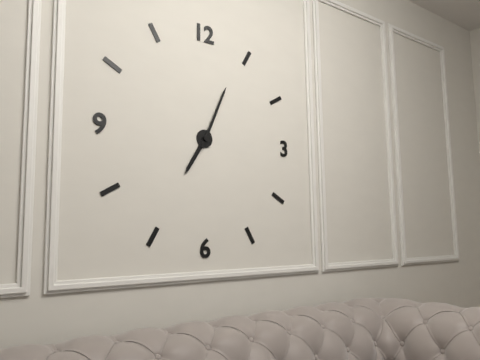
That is 7:04
